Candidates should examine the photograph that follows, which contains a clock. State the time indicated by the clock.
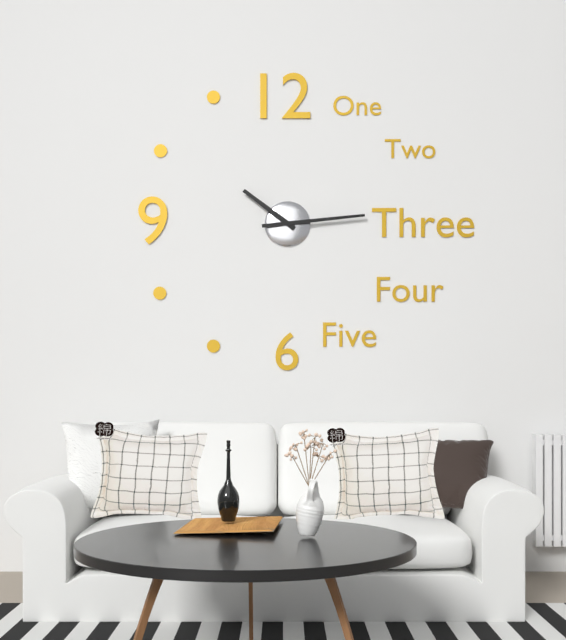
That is 10:14
